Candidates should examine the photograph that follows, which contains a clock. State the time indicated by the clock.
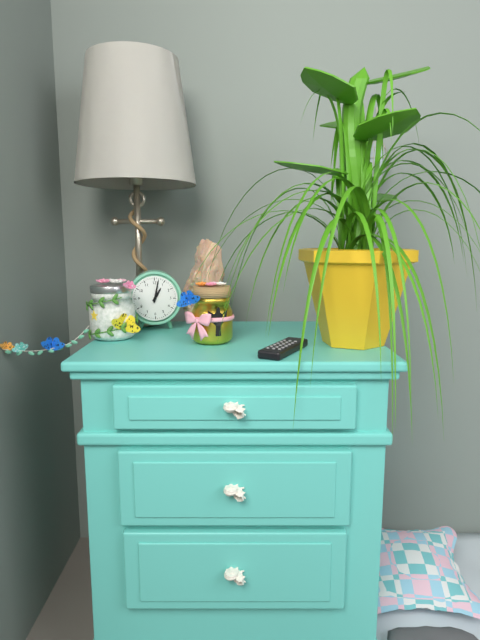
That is 1:02
